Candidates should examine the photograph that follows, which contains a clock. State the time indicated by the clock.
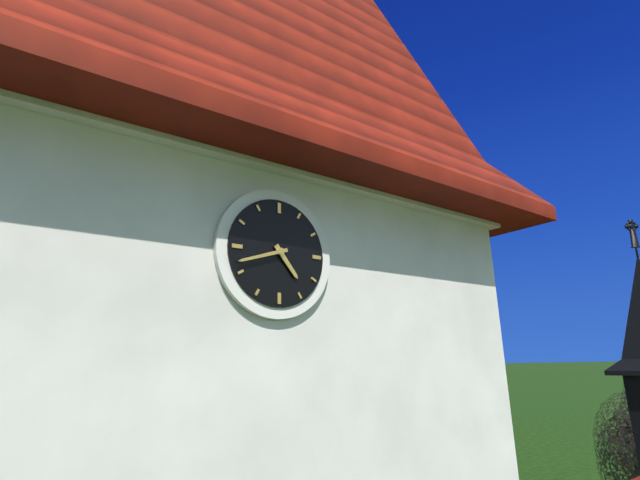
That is 4:42
